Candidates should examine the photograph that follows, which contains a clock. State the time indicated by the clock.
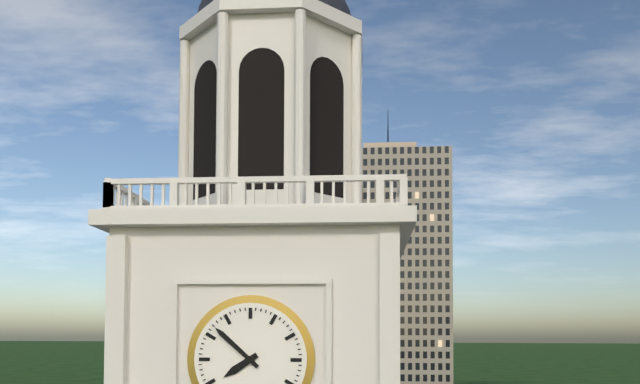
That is 7:52
